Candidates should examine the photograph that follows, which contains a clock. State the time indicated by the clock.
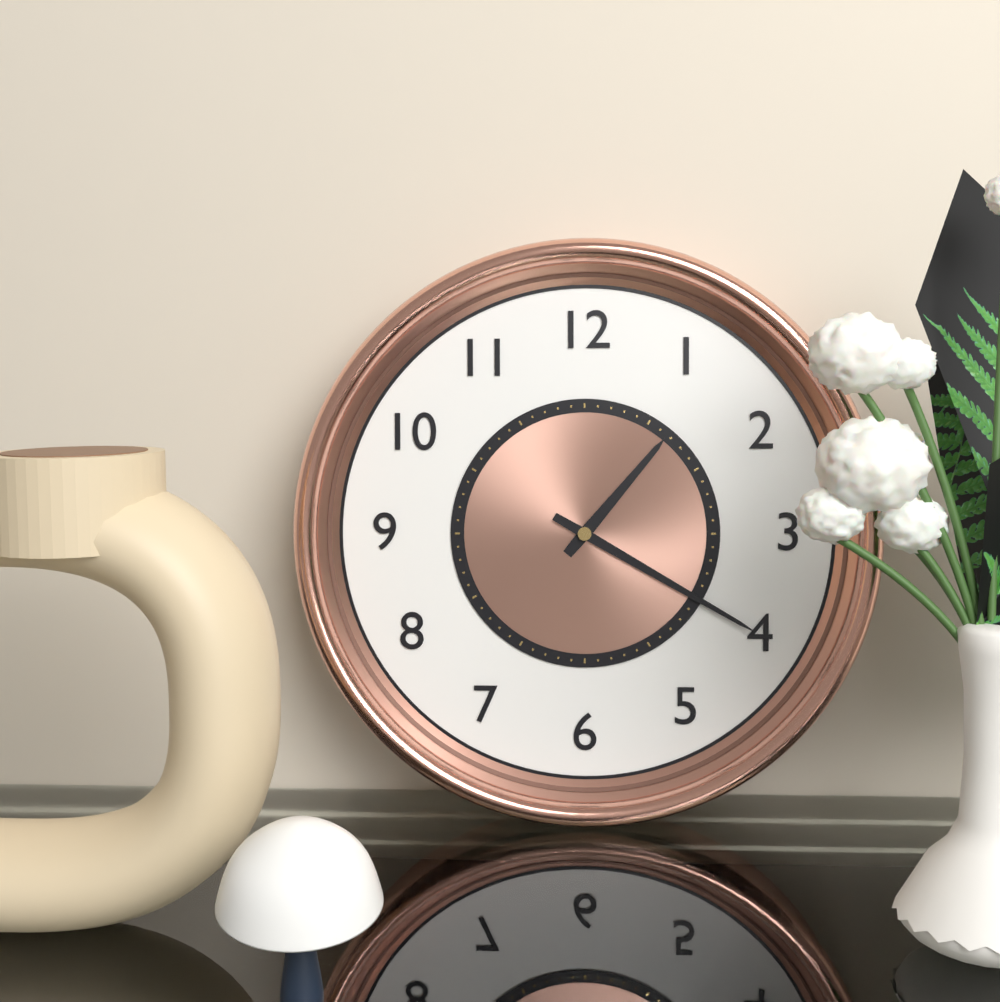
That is 1:20
